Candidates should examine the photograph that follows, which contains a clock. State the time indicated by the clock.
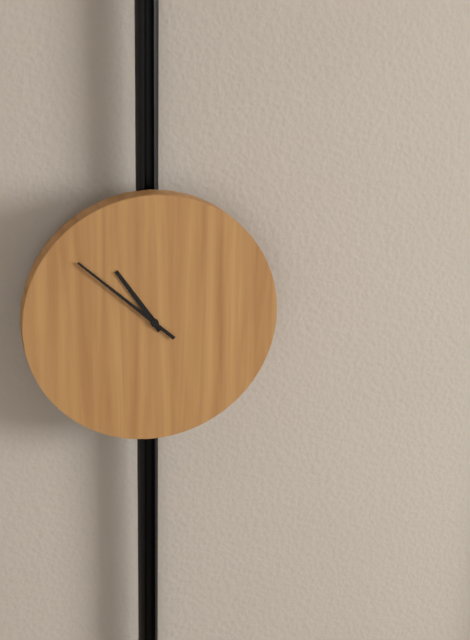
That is 10:52
